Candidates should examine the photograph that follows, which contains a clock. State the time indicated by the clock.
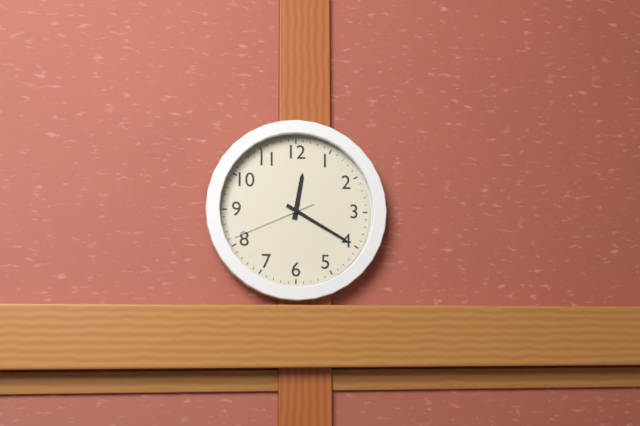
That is 12:20:41
